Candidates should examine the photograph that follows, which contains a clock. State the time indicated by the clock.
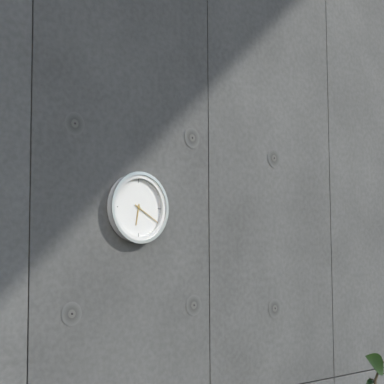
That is 6:20
